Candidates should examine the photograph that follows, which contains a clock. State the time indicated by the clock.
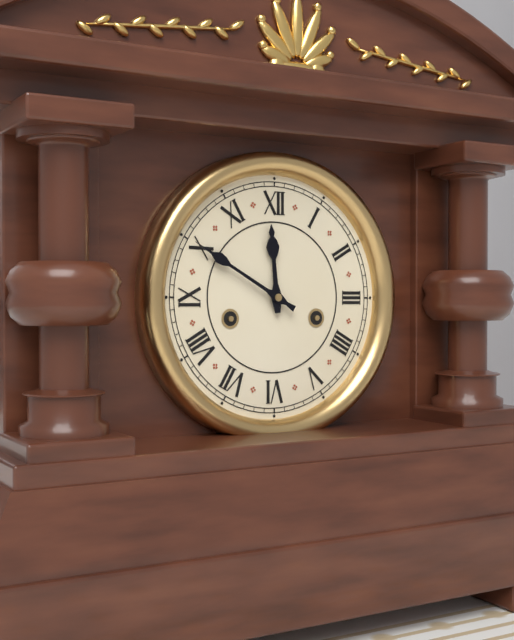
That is 11:50
